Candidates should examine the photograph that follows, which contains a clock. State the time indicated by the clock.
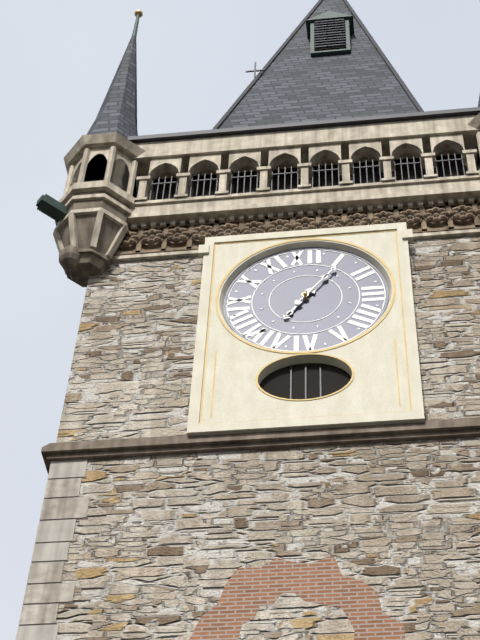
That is 7:06
